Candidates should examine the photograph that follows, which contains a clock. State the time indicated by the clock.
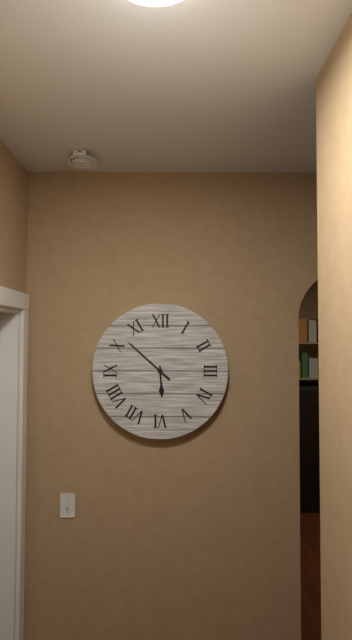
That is 5:52
